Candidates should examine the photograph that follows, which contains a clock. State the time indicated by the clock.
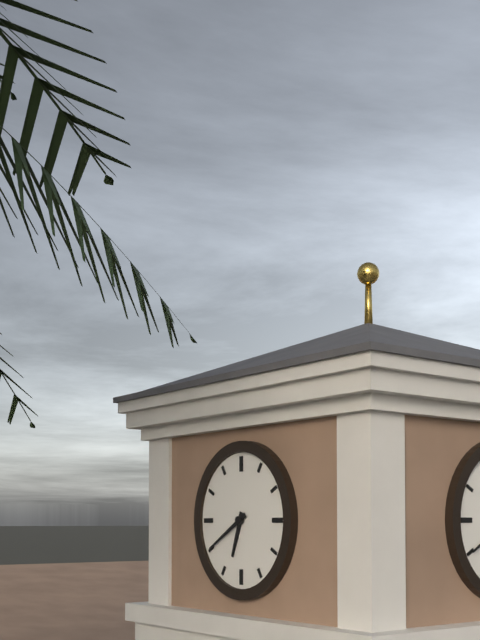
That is 6:40
